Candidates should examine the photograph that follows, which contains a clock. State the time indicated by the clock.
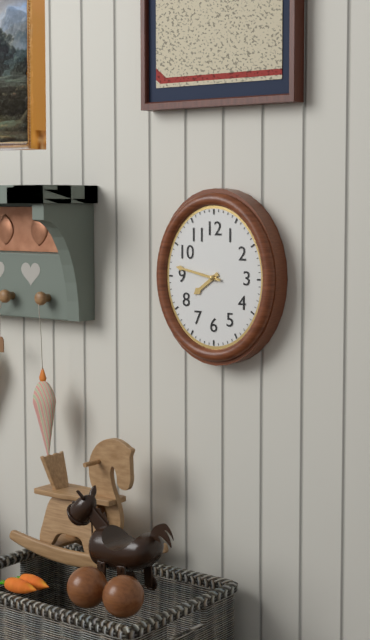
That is 7:47
